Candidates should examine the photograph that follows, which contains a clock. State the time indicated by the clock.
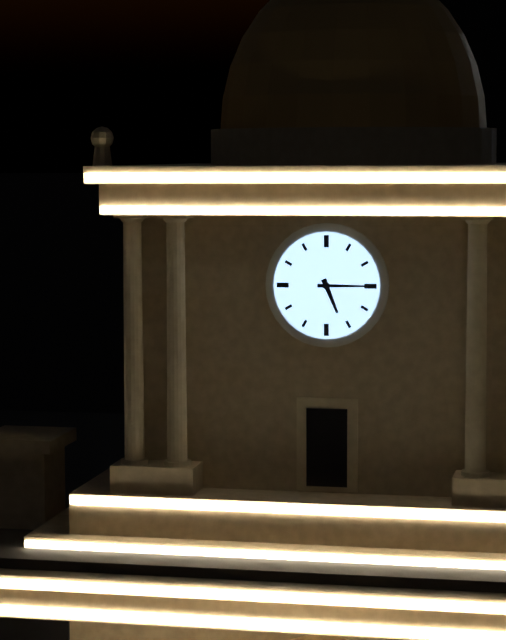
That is 5:15
